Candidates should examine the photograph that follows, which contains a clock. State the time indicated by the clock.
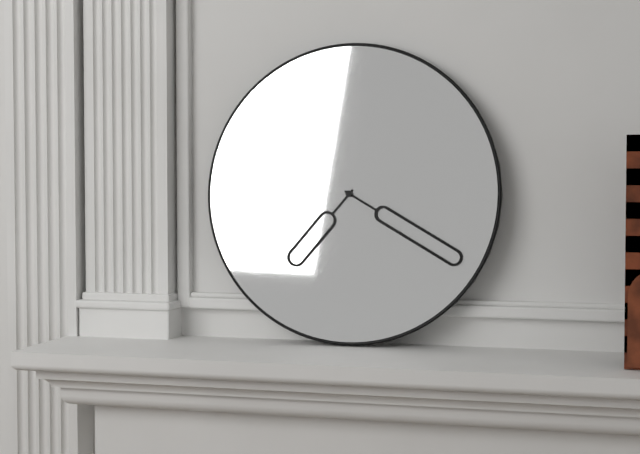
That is 7:20
